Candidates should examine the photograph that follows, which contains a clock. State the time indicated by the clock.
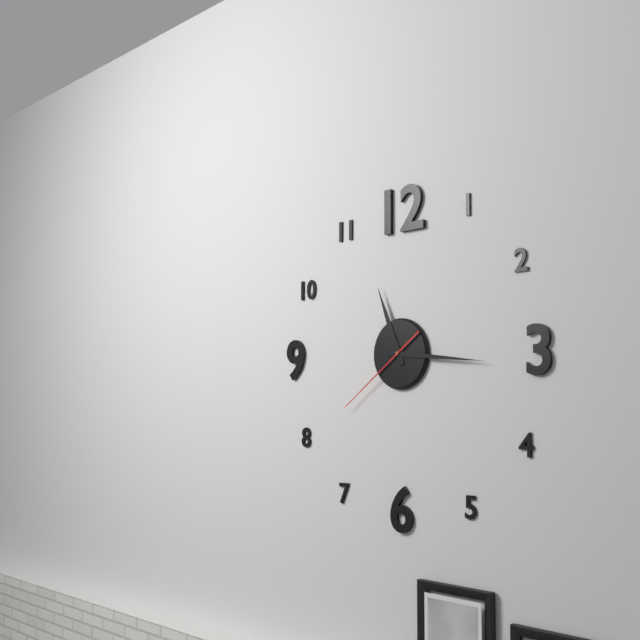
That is 11:16:39
